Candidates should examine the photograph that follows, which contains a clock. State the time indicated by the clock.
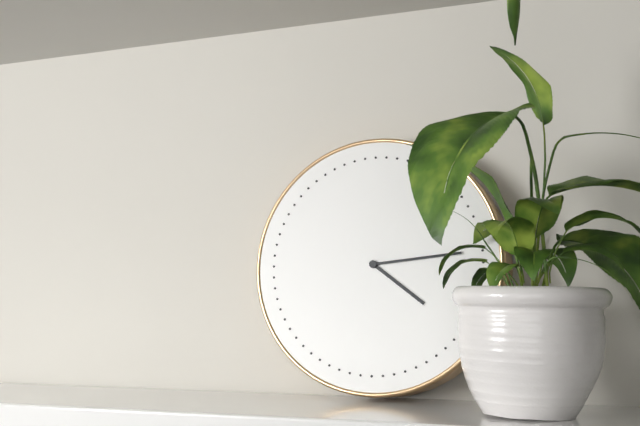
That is 4:14
